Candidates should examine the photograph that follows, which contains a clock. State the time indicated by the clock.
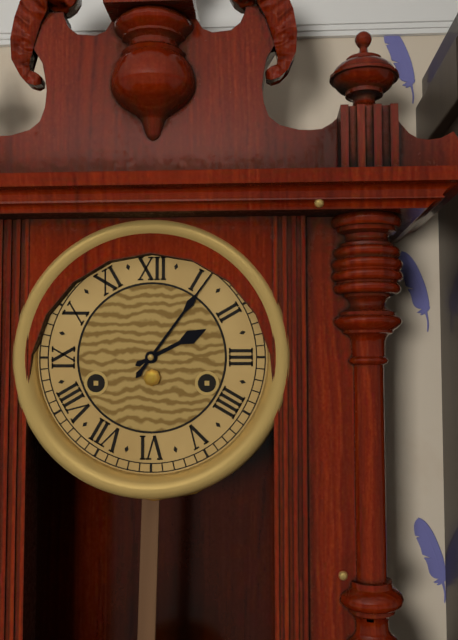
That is 2:06
